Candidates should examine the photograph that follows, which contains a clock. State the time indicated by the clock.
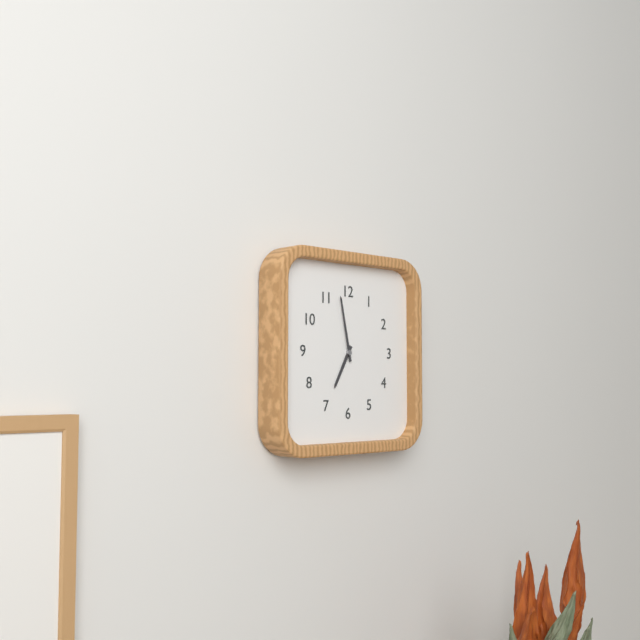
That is 6:58
